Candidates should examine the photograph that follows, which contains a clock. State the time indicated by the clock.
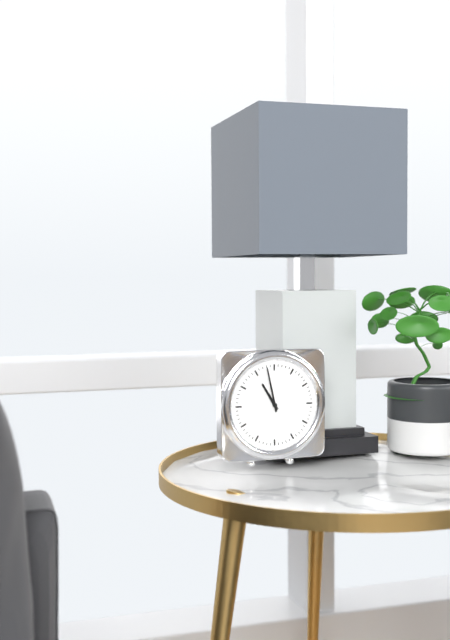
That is 10:58
